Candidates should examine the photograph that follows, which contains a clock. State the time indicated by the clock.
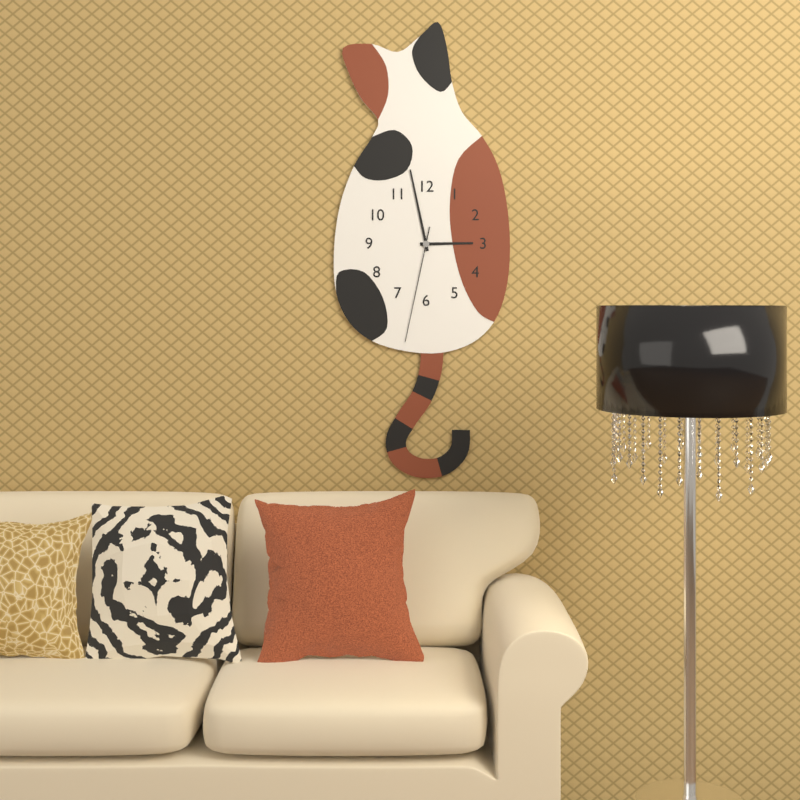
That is 2:58:32
